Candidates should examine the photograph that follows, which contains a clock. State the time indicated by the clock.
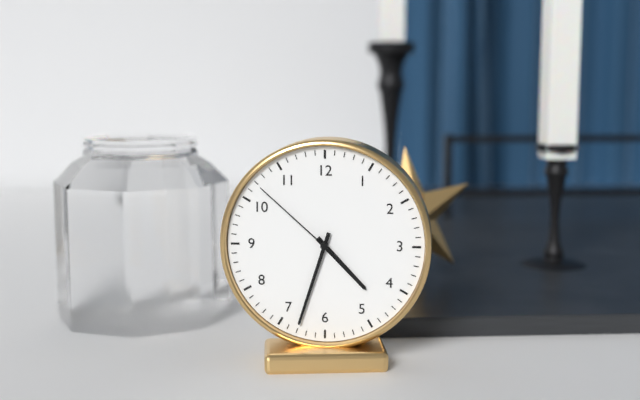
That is 4:33:52
